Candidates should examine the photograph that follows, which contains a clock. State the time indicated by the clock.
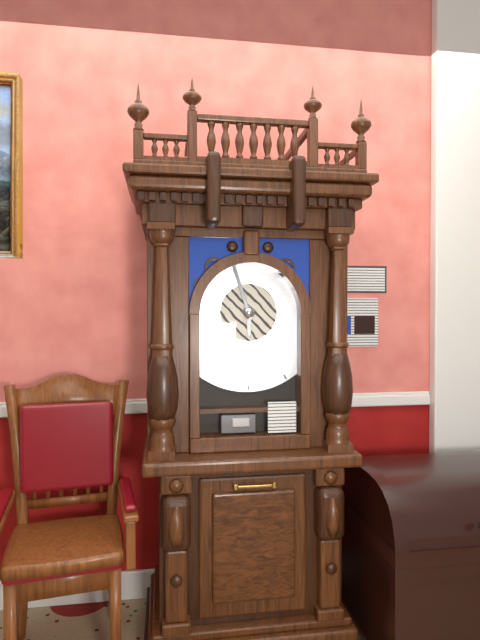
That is 5:57
